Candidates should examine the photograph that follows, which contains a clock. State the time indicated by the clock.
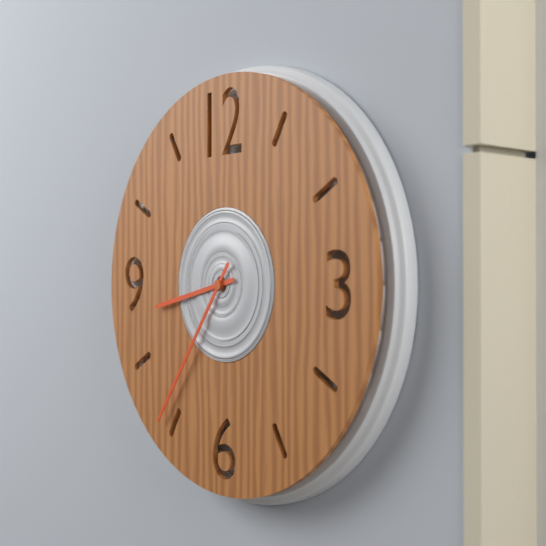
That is 8:36
